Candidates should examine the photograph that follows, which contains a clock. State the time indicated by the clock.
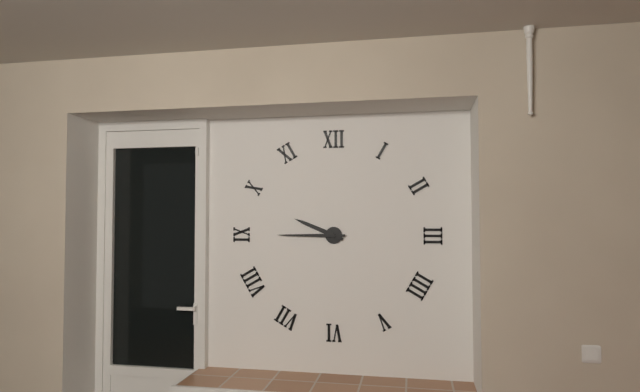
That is 9:45
